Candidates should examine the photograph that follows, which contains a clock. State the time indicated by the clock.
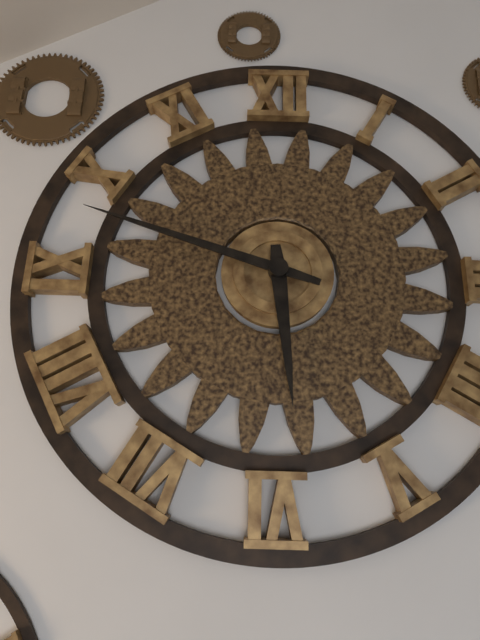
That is 5:48
